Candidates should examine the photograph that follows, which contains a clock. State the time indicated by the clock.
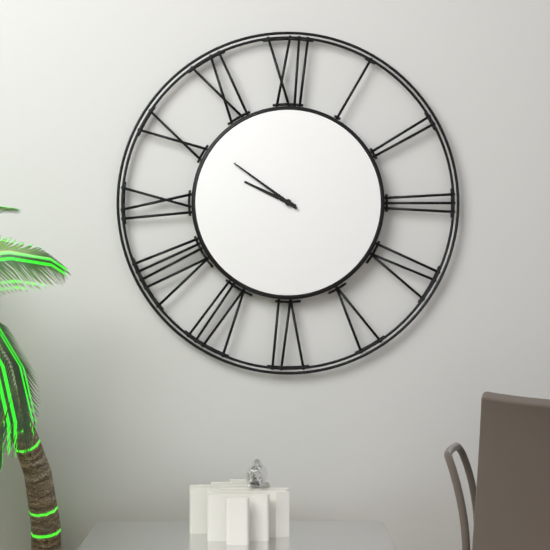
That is 9:51
